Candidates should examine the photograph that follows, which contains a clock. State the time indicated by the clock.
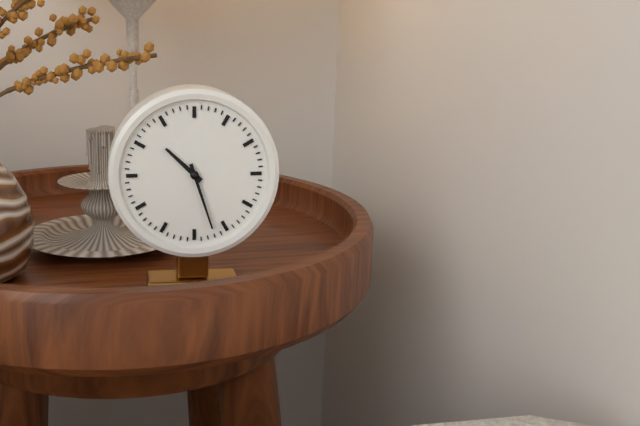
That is 10:27
